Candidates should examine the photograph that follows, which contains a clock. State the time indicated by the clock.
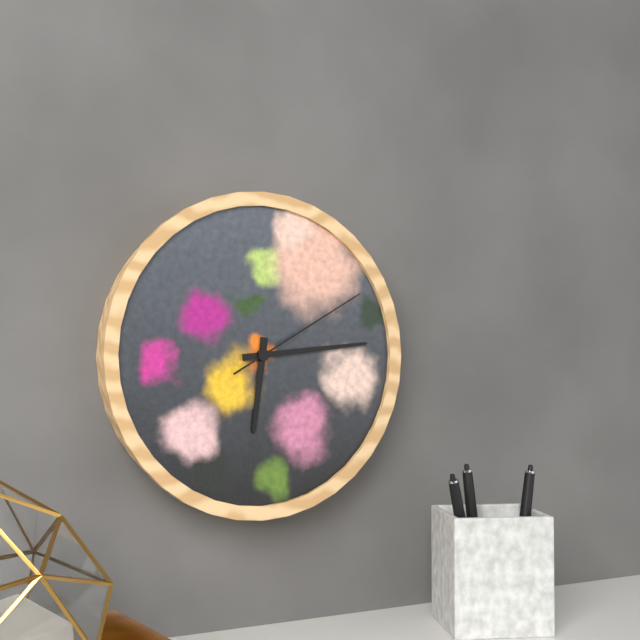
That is 6:14:10
